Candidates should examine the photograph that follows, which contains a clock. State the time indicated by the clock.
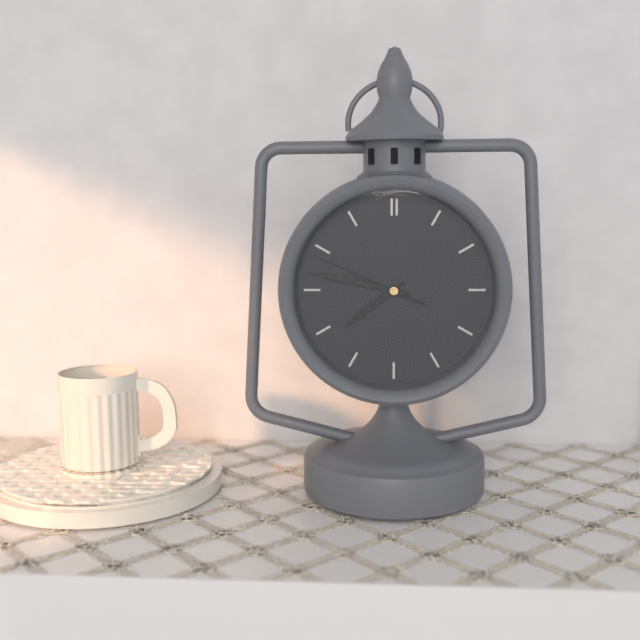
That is 7:47:49
